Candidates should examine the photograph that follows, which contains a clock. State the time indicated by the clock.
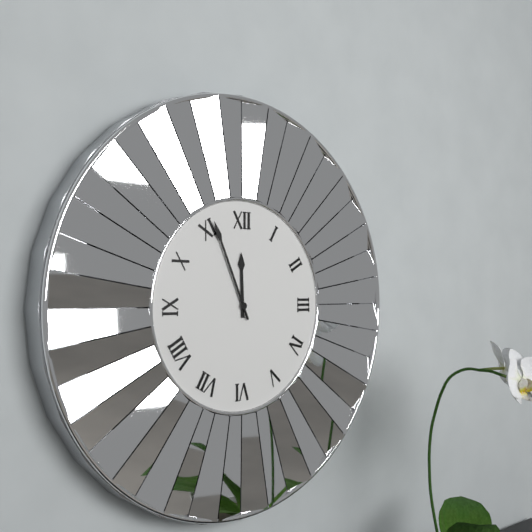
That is 11:56
